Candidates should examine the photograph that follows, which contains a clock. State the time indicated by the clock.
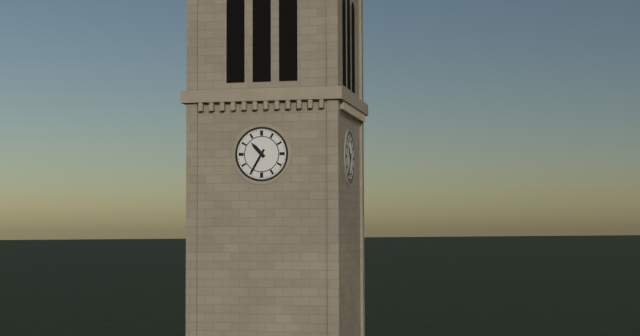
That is 10:35
